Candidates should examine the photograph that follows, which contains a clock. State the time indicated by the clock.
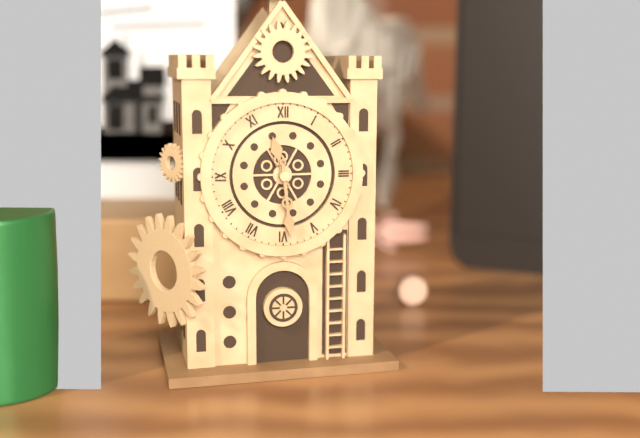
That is 11:29
